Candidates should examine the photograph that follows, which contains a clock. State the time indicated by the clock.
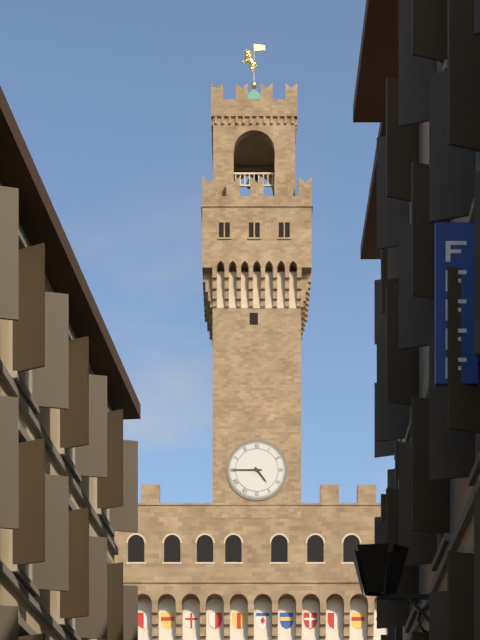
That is 4:45
